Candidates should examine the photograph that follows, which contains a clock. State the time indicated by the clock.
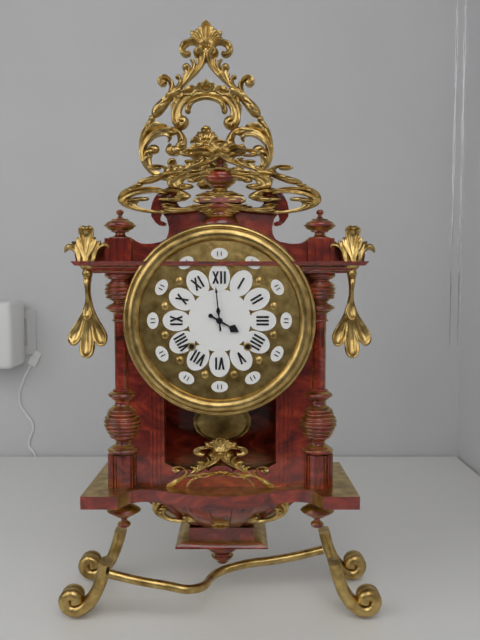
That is 3:59
